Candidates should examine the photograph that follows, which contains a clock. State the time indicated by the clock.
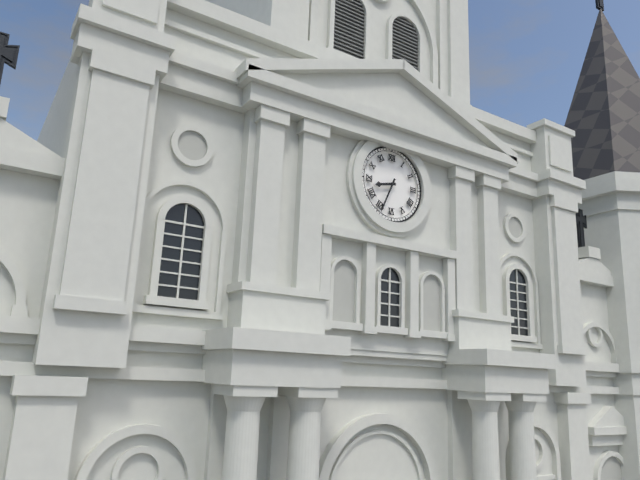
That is 8:34
